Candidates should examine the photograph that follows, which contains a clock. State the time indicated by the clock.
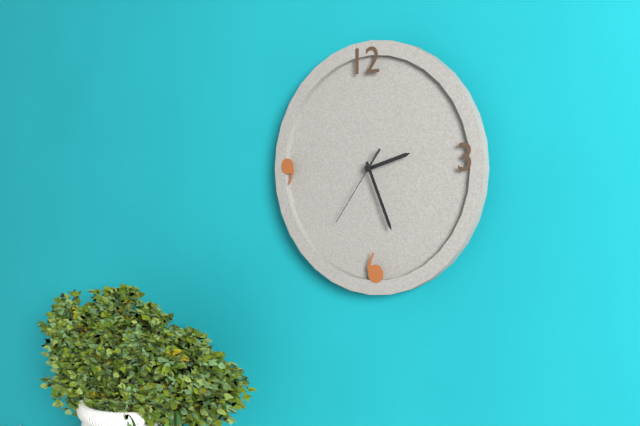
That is 2:26:36
